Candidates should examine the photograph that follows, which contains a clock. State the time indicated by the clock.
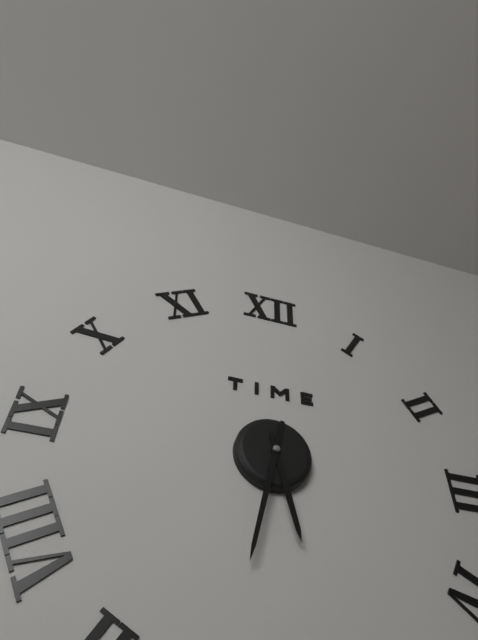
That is 5:32
